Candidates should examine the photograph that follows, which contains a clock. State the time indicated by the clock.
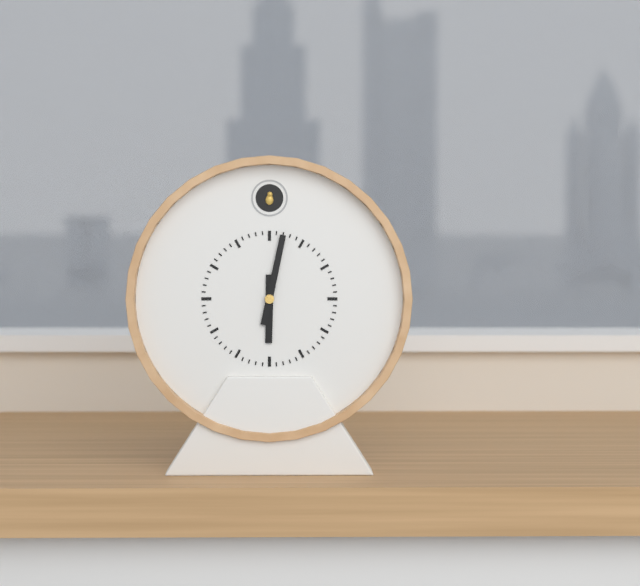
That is 6:02
